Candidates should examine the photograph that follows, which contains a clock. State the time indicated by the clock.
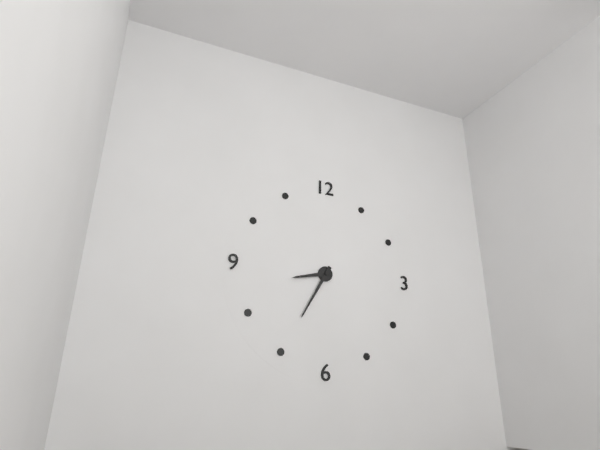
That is 8:35
